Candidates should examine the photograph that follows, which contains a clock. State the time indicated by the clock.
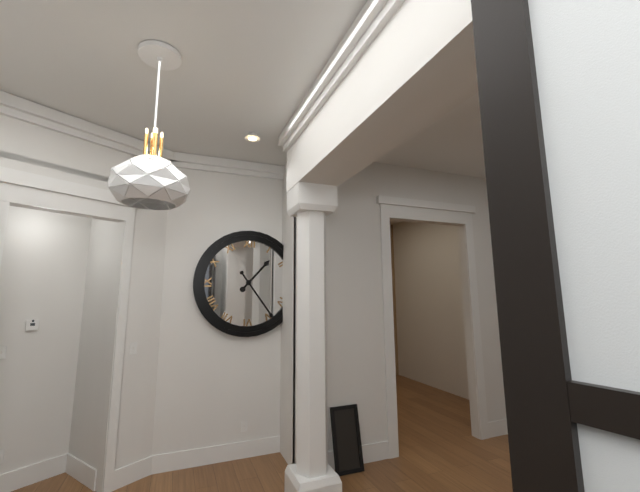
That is 1:24
